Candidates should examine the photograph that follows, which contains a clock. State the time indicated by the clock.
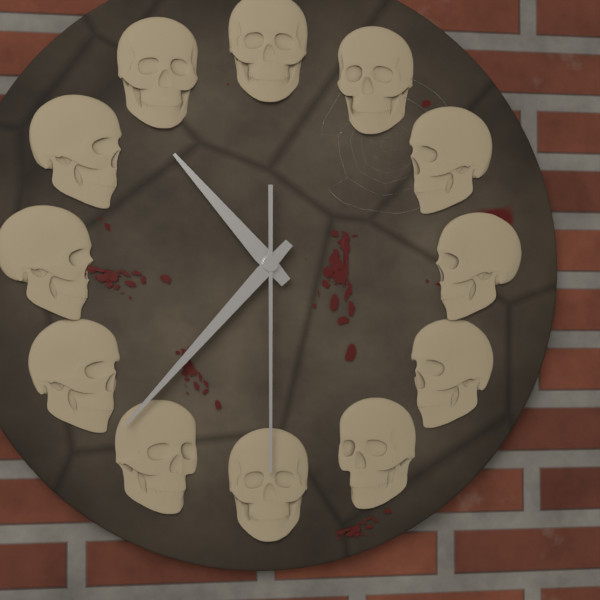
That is 10:37:30
